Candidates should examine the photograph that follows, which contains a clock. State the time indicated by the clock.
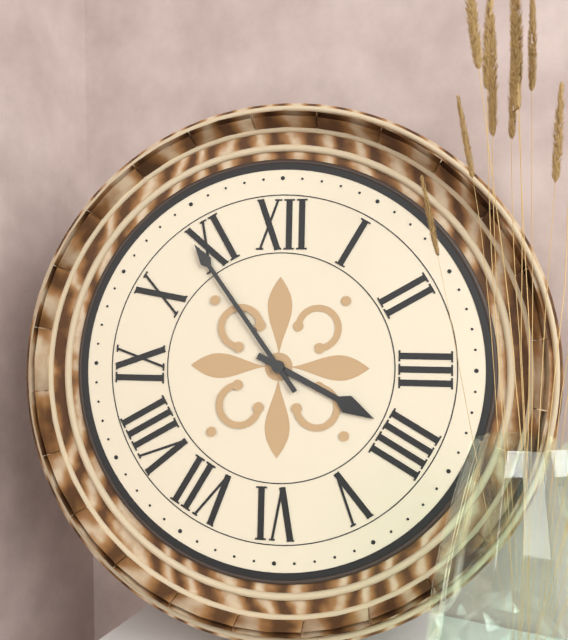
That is 3:54
